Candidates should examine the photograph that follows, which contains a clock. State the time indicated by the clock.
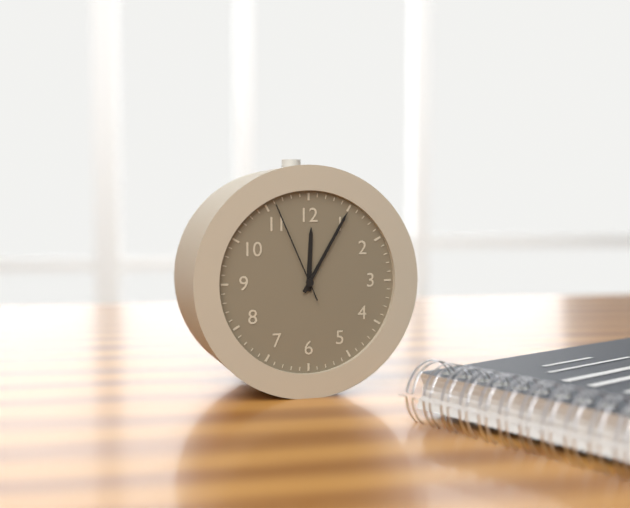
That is 12:05:56
